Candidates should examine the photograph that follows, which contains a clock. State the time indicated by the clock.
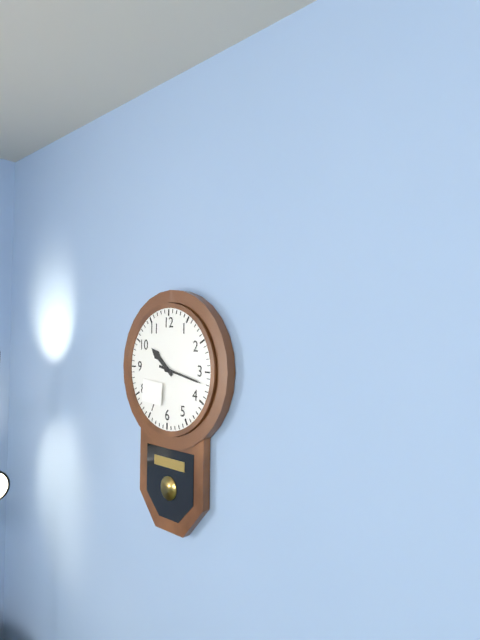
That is 10:17
